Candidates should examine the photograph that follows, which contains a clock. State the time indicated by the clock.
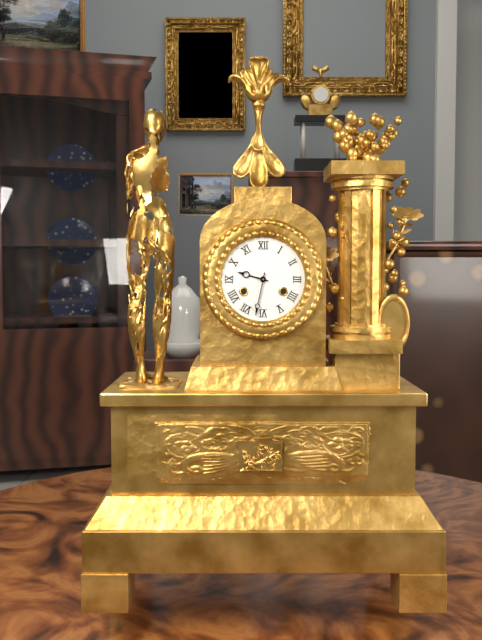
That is 9:32
